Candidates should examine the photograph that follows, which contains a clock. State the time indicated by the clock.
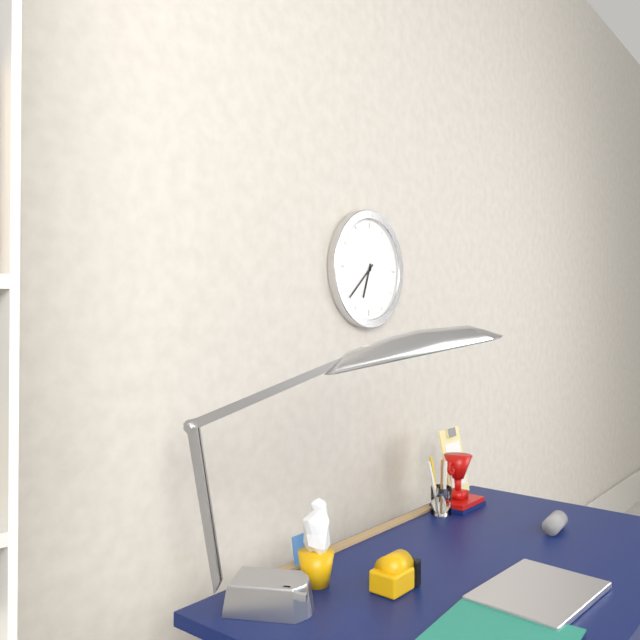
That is 6:38
